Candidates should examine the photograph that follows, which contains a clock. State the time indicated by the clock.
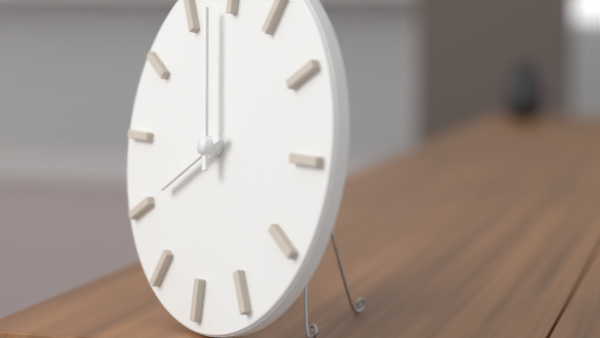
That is 7:58
